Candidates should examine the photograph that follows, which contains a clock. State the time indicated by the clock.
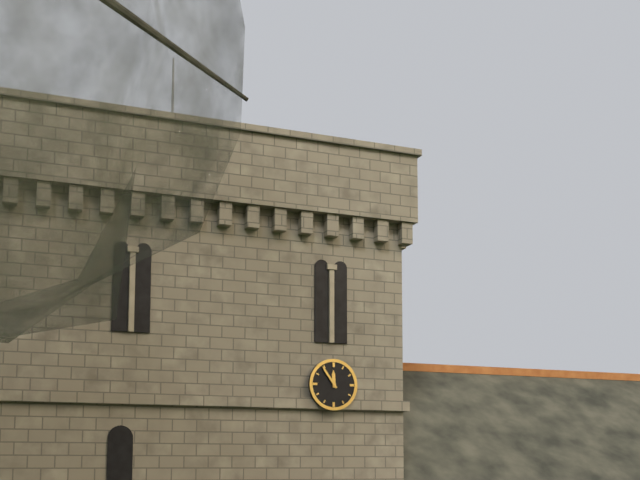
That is 11:54
